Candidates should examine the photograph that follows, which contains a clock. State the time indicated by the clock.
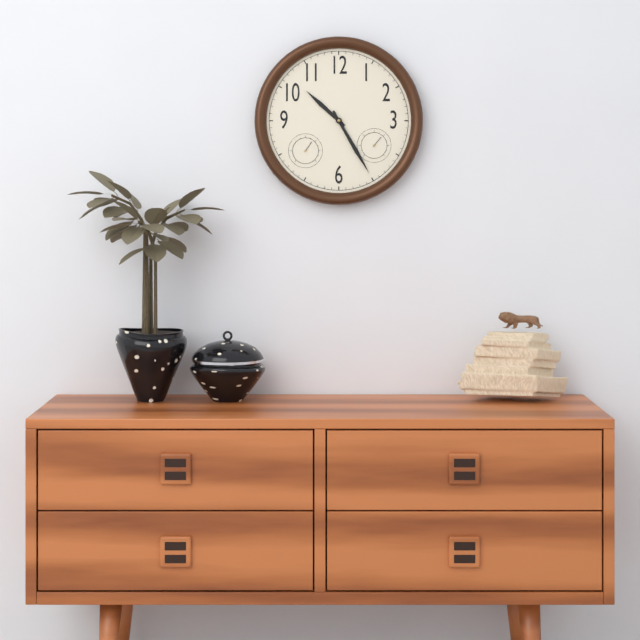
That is 10:25
